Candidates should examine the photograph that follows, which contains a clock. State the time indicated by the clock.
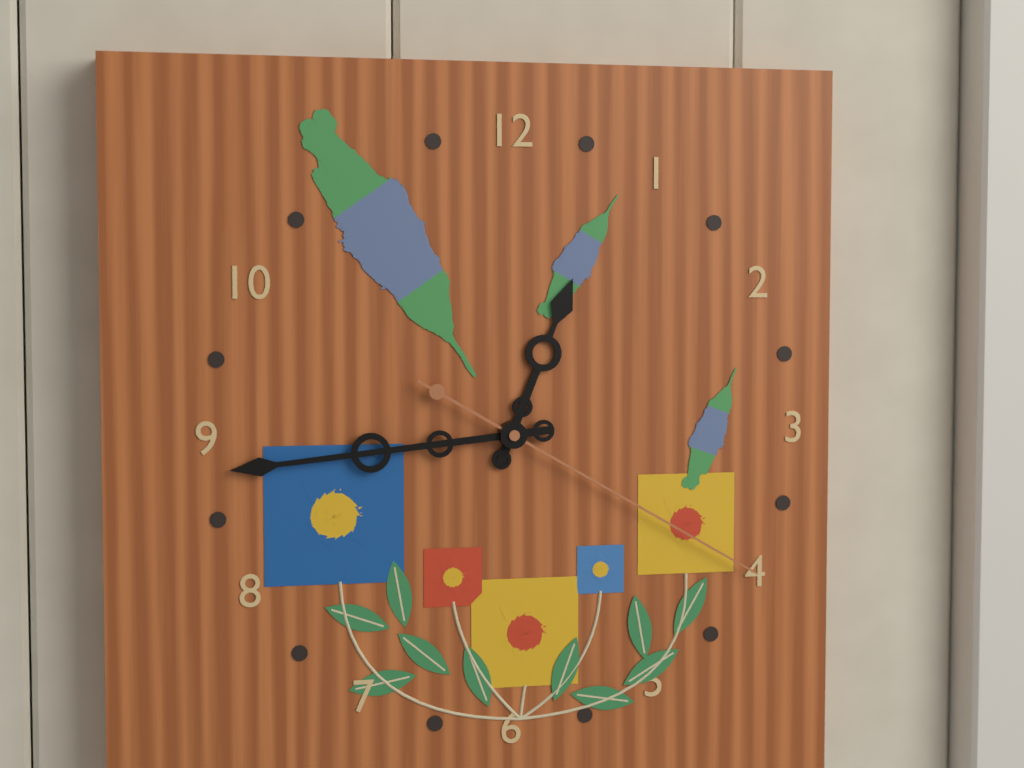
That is 12:44:20
